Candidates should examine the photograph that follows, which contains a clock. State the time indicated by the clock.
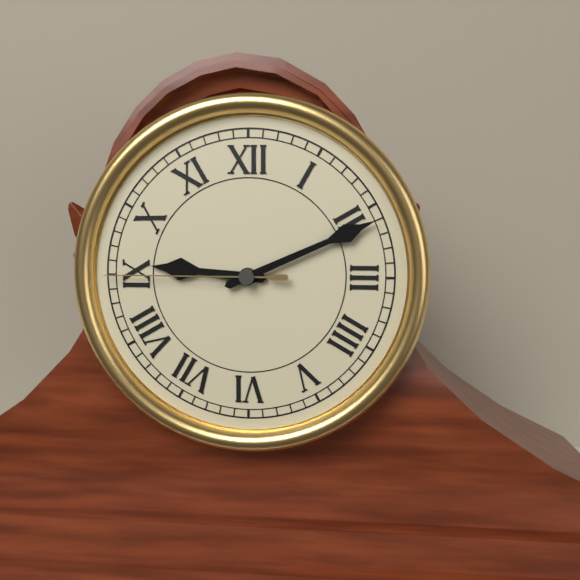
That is 9:11:45
